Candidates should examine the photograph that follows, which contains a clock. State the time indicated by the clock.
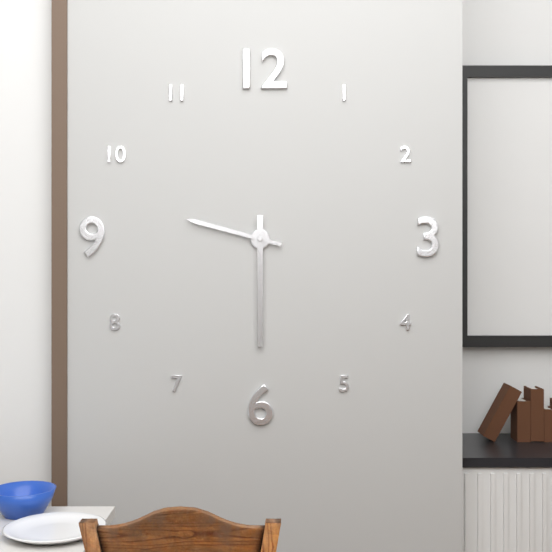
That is 9:30
